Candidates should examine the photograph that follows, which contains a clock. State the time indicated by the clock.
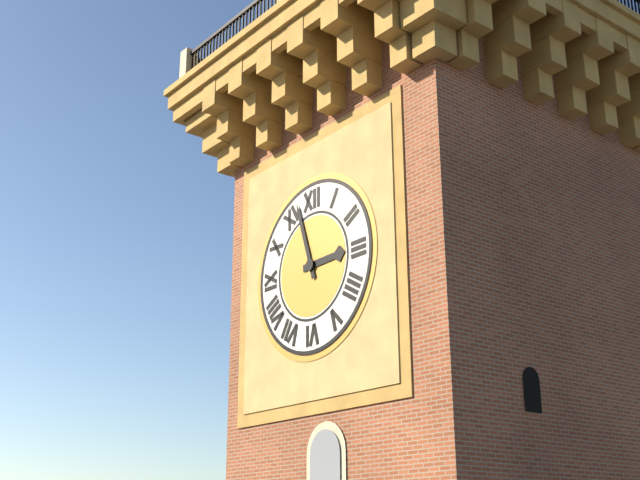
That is 2:57
